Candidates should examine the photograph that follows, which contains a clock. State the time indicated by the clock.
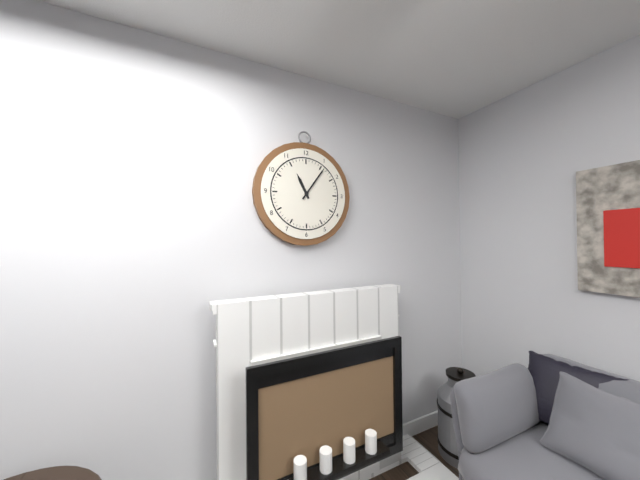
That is 11:06
